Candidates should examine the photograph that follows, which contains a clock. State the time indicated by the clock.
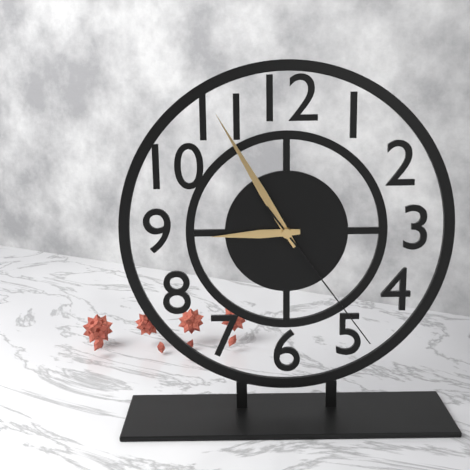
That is 8:55:24
